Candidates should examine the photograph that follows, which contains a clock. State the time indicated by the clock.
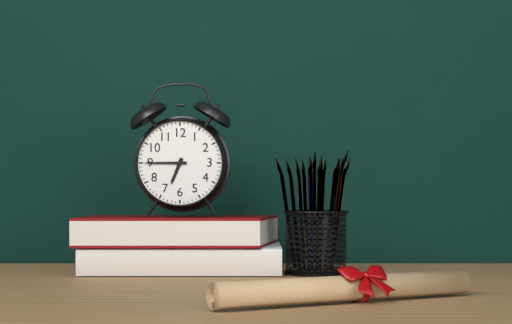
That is 6:45
